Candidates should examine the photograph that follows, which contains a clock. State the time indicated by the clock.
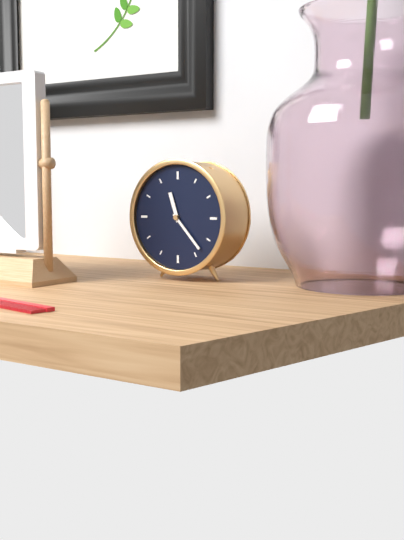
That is 11:23
